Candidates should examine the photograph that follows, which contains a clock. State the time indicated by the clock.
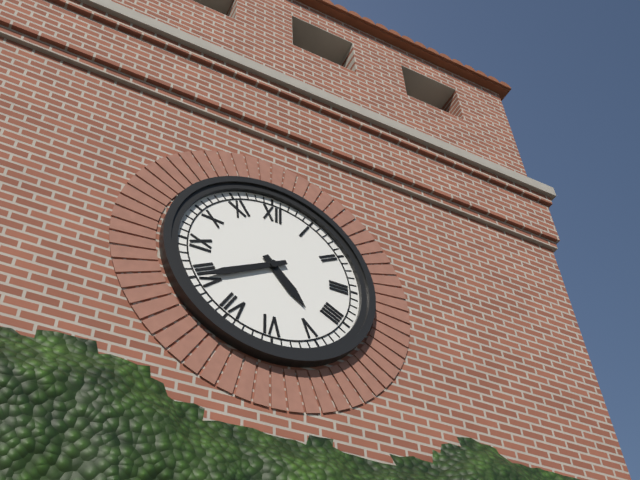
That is 4:40
